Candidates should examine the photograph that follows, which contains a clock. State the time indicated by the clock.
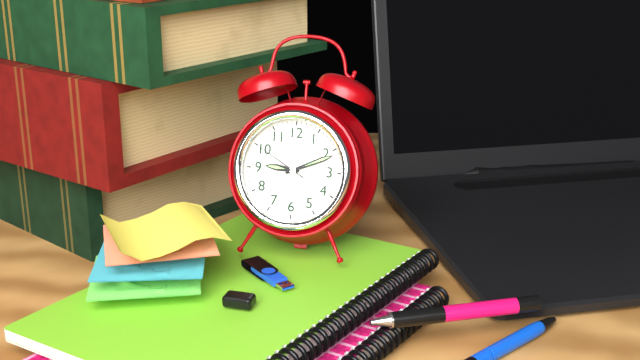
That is 9:11:50
